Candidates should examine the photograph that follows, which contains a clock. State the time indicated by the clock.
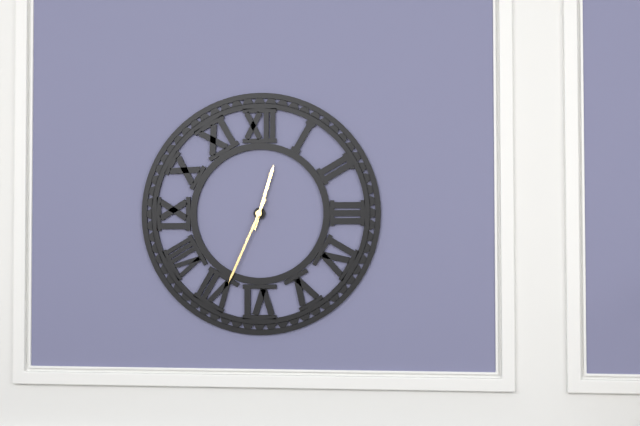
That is 12:34
